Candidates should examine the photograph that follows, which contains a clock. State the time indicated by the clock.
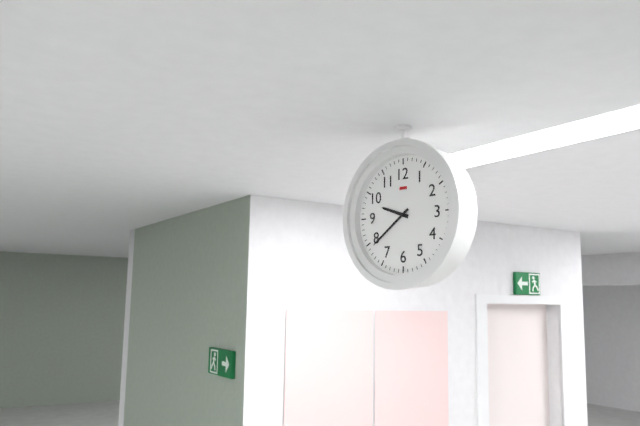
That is 9:39
